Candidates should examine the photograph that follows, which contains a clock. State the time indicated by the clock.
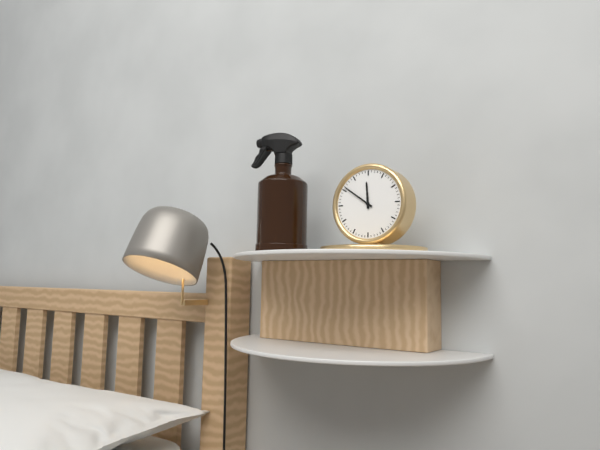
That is 11:51
